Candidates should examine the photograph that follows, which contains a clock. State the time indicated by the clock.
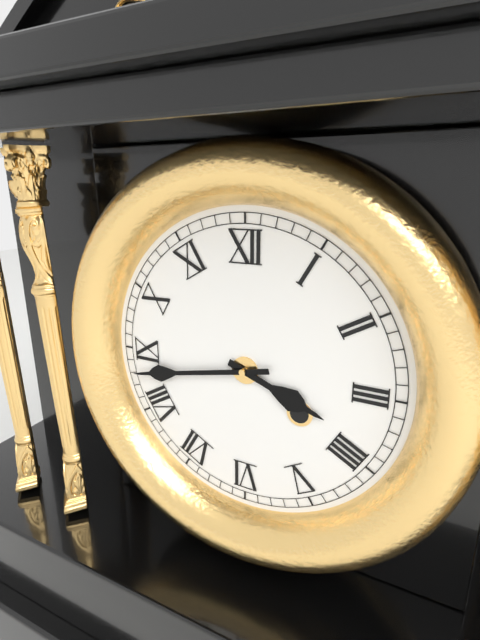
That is 3:43
